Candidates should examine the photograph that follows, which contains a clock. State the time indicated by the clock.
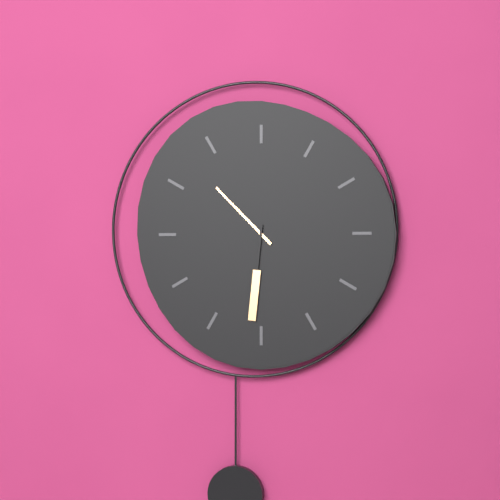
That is 10:31
